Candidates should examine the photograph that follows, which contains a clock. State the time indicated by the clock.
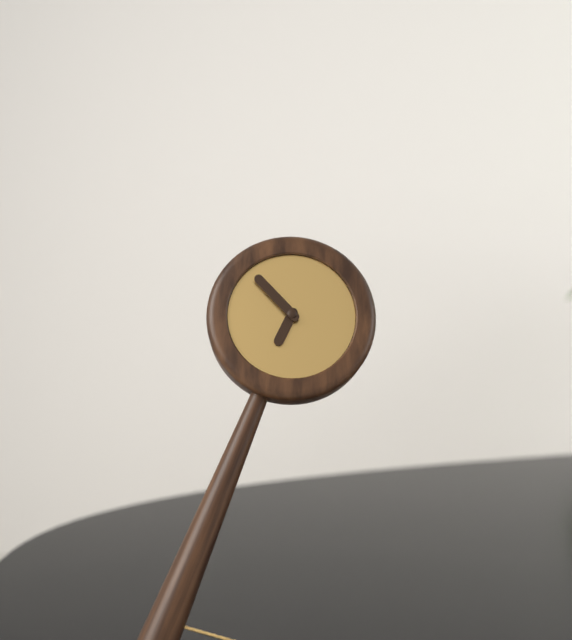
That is 6:53
